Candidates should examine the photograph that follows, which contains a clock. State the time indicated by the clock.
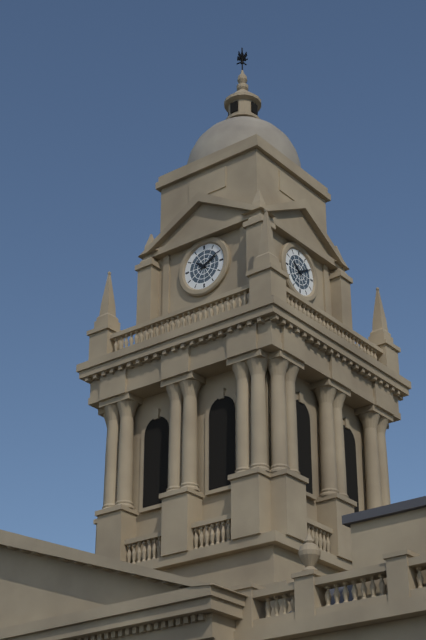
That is 10:10
